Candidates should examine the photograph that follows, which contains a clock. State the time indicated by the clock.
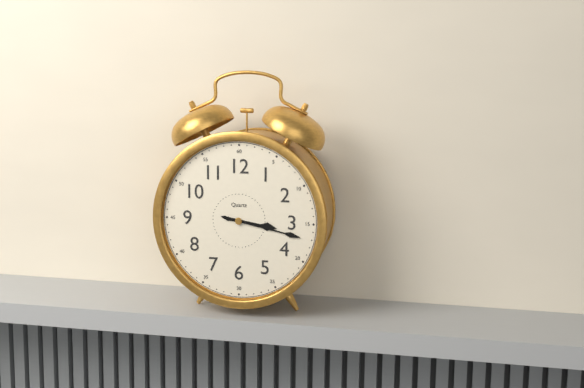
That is 3:17
